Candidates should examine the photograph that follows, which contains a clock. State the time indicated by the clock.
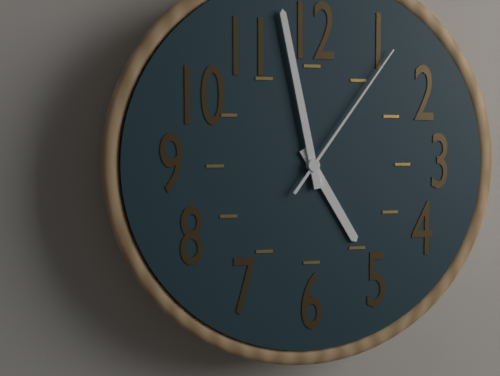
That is 4:58:06
